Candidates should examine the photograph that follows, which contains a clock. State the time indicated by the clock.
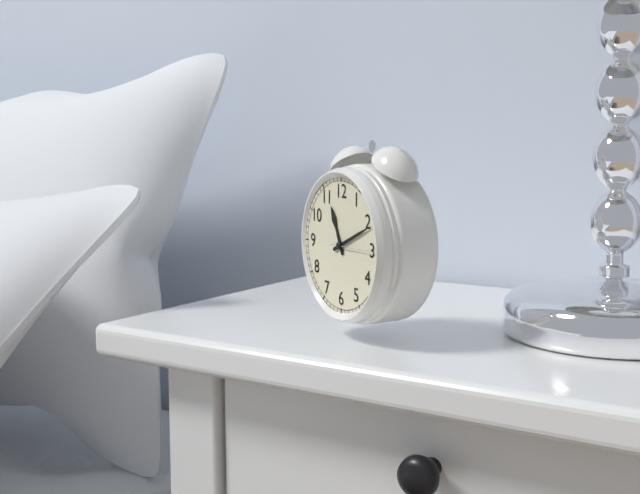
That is 11:11
